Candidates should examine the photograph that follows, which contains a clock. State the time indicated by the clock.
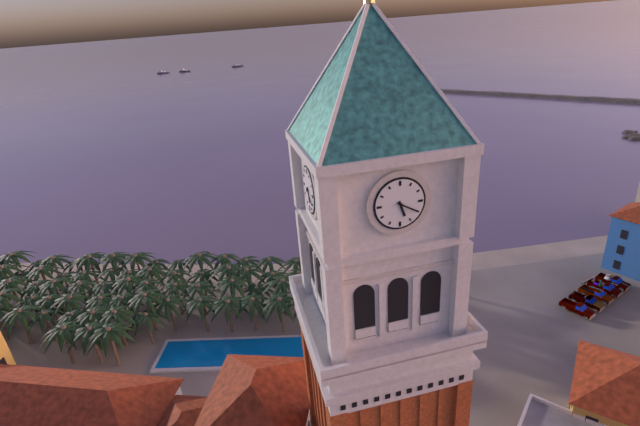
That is 5:20
